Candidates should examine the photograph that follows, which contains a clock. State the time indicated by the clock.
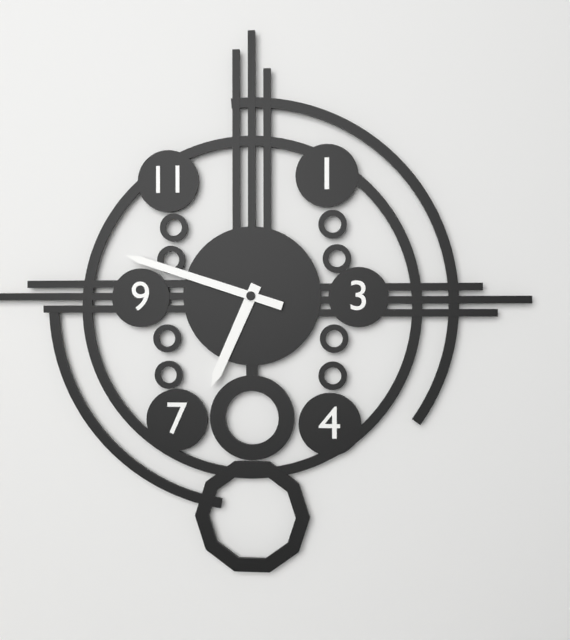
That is 6:48
